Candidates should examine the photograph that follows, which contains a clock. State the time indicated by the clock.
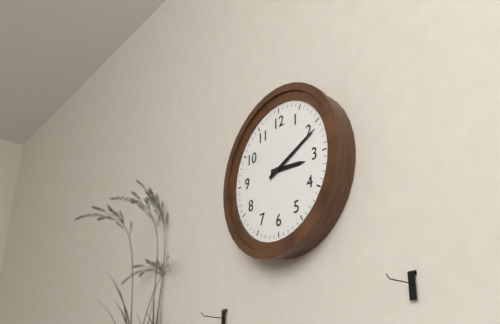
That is 3:11
